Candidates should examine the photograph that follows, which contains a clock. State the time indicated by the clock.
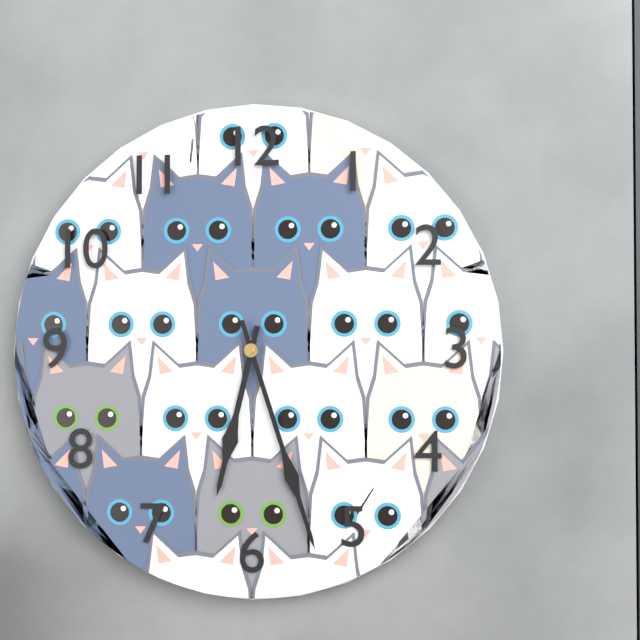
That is 6:27
